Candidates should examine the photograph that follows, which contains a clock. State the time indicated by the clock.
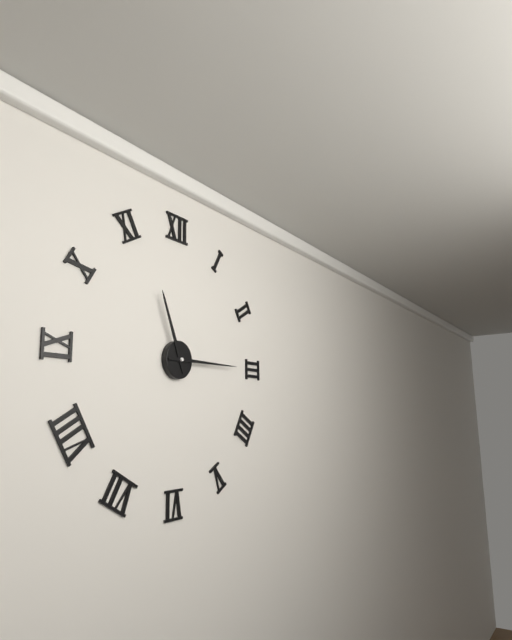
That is 11:15
